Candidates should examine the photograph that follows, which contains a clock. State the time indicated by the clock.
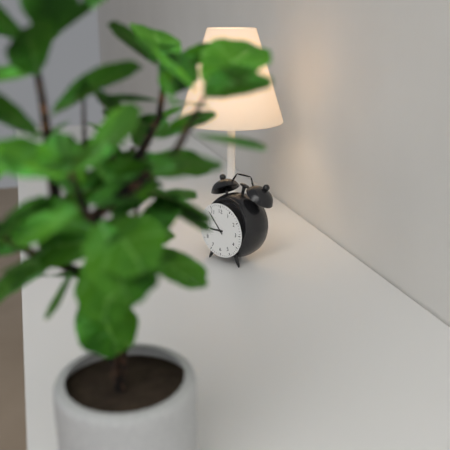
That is 8:53
